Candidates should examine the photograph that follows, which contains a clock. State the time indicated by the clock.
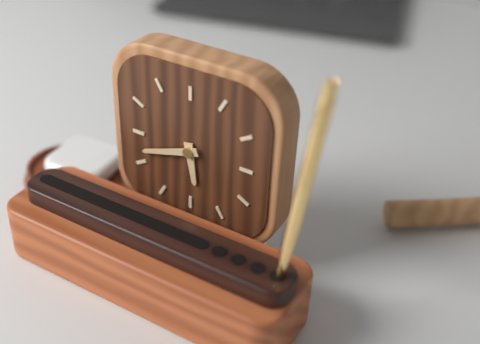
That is 5:42
